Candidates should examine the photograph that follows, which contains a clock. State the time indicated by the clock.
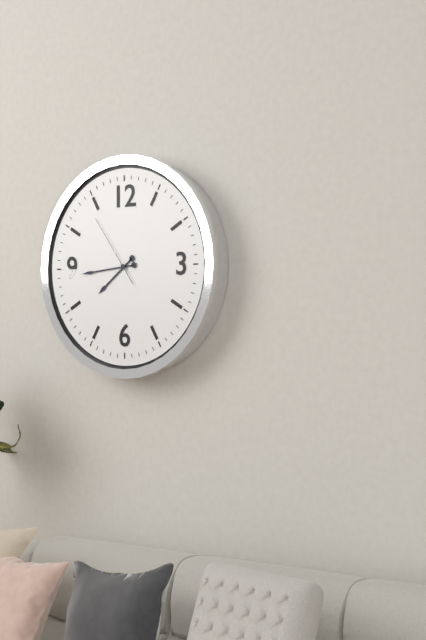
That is 7:44:54
